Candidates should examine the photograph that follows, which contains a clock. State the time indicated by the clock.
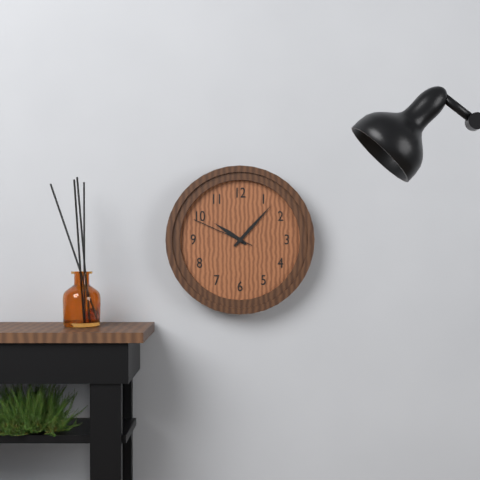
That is 10:07:49
